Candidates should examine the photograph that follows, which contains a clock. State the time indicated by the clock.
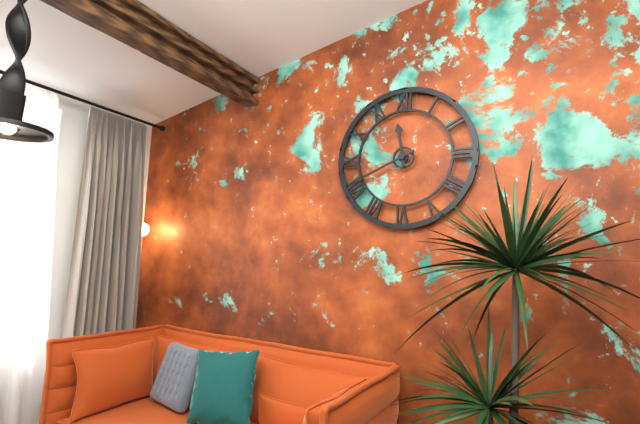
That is 11:41
